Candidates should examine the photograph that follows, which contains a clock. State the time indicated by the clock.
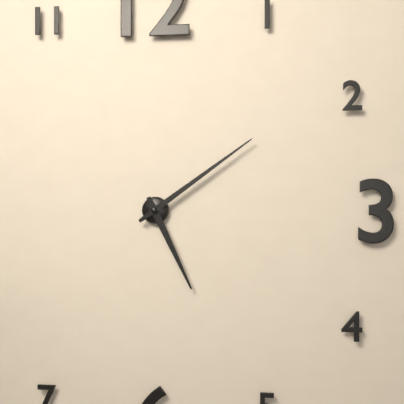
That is 5:09
